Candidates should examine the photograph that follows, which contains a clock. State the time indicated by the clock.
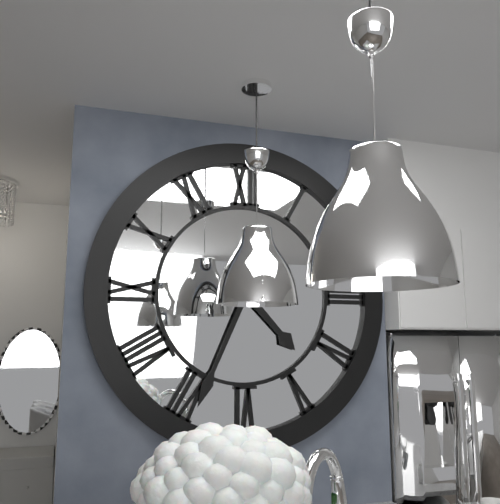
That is 4:34
